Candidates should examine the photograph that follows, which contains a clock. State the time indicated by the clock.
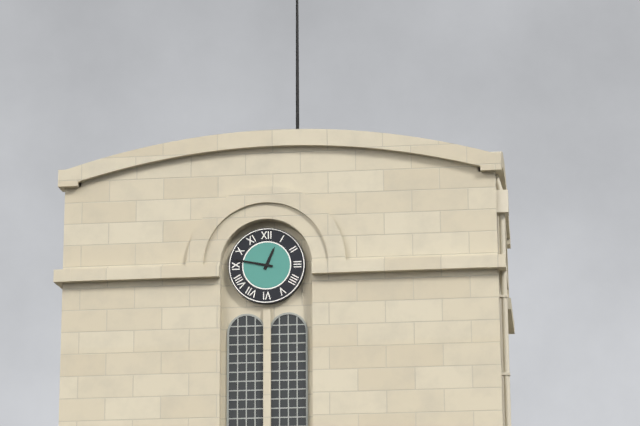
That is 12:47
